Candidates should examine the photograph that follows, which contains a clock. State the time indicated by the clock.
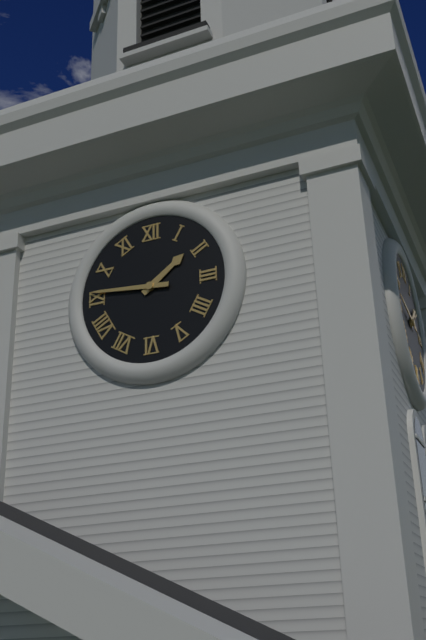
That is 1:46
